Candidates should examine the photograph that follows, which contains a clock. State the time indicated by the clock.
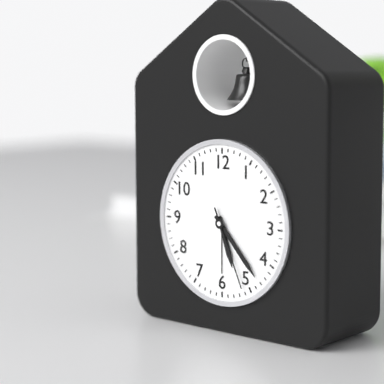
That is 5:23:26
